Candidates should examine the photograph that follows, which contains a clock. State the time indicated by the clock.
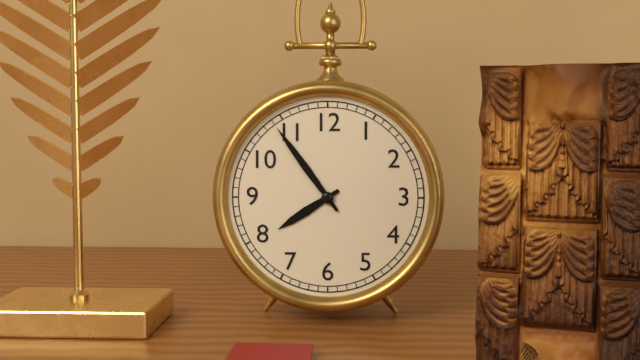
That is 7:54
